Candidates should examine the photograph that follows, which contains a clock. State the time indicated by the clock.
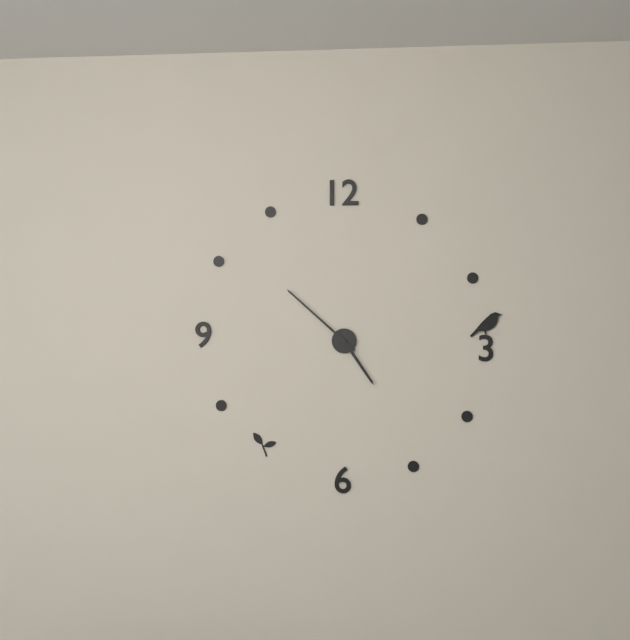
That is 4:52
